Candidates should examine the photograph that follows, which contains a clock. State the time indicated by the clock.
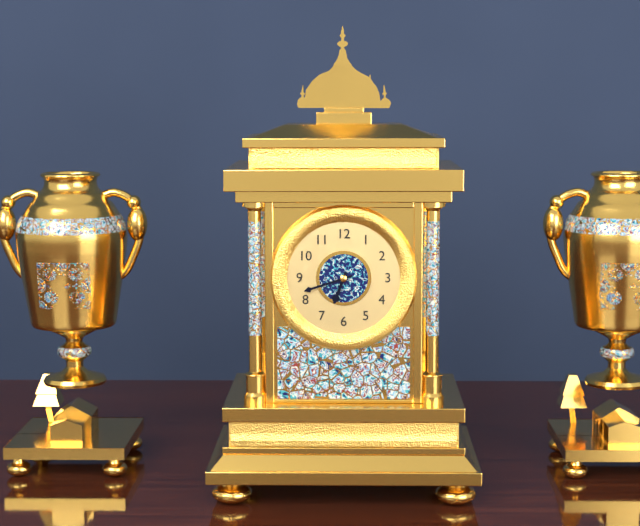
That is 6:42
